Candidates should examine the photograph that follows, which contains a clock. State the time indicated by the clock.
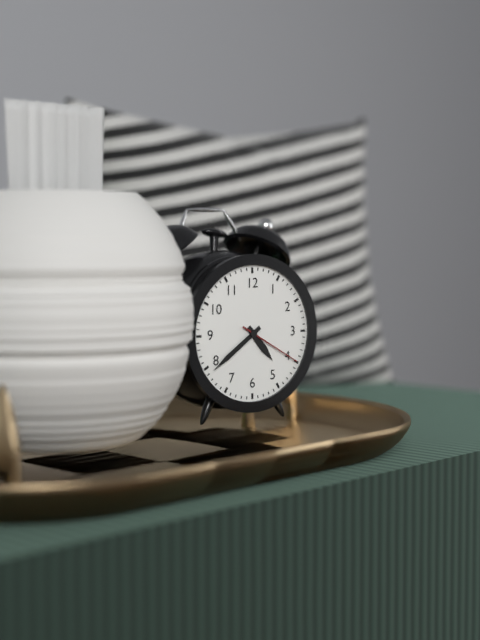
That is 4:39:20
